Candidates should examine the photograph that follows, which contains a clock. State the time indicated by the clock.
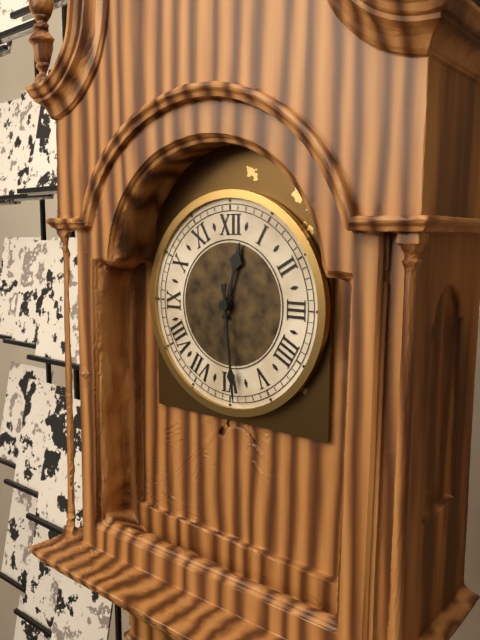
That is 12:29
